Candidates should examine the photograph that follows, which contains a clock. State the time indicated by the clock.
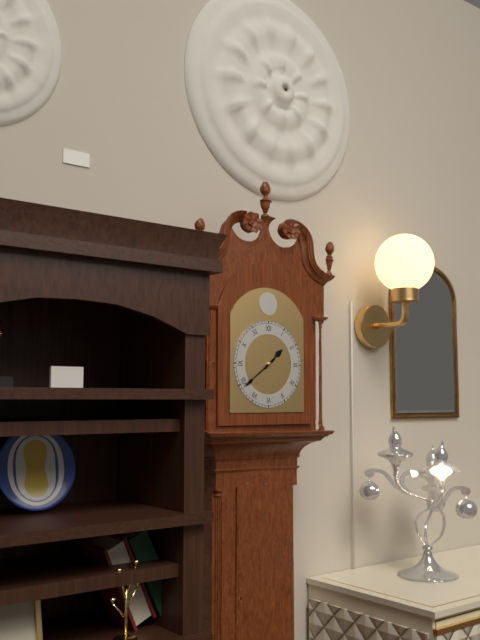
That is 1:39
